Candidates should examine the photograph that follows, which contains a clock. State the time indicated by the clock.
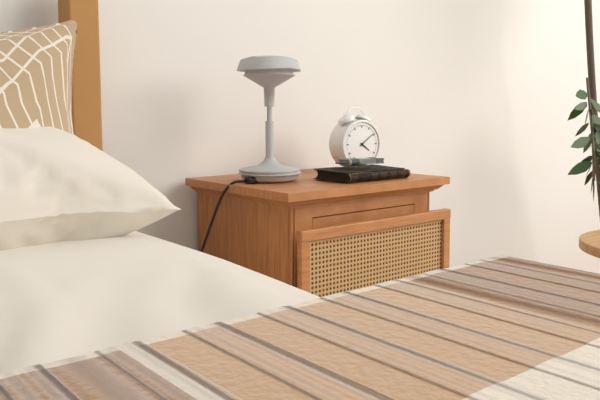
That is 4:09
